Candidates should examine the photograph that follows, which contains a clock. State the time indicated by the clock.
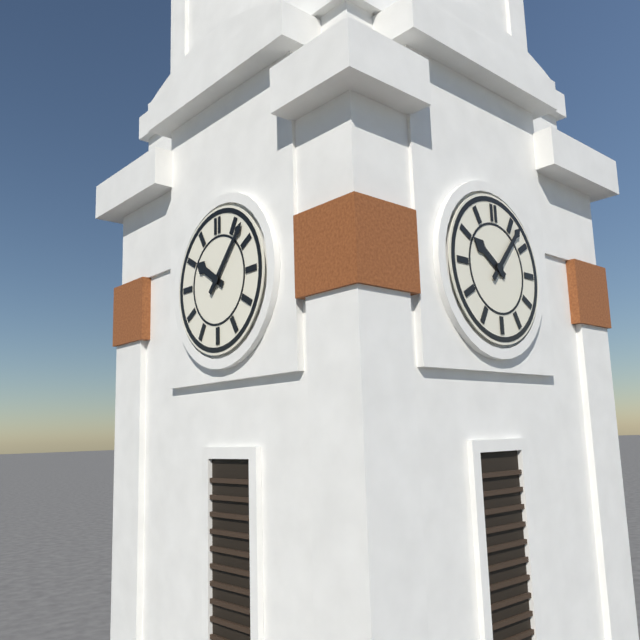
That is 10:07
